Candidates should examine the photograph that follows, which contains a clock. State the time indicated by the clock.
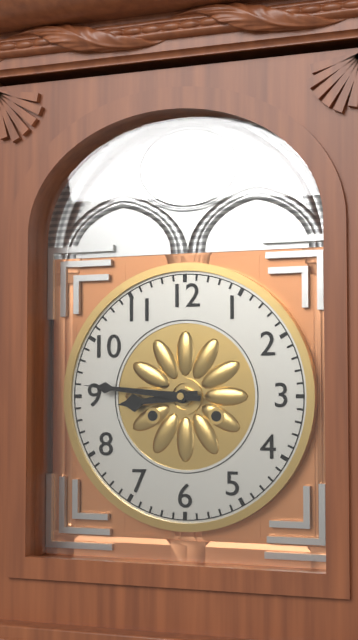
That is 8:46
